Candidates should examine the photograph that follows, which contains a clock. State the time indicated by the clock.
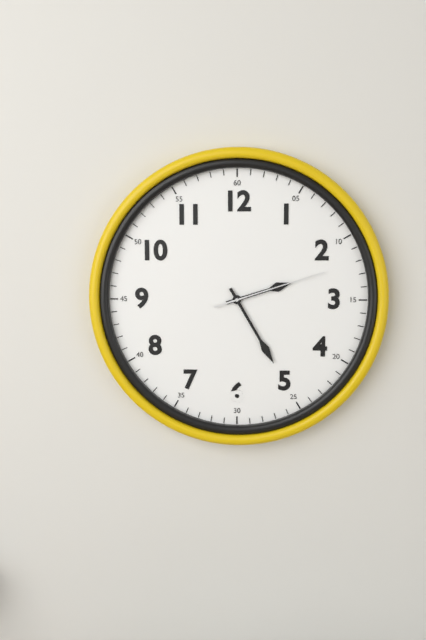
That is 2:25:12
